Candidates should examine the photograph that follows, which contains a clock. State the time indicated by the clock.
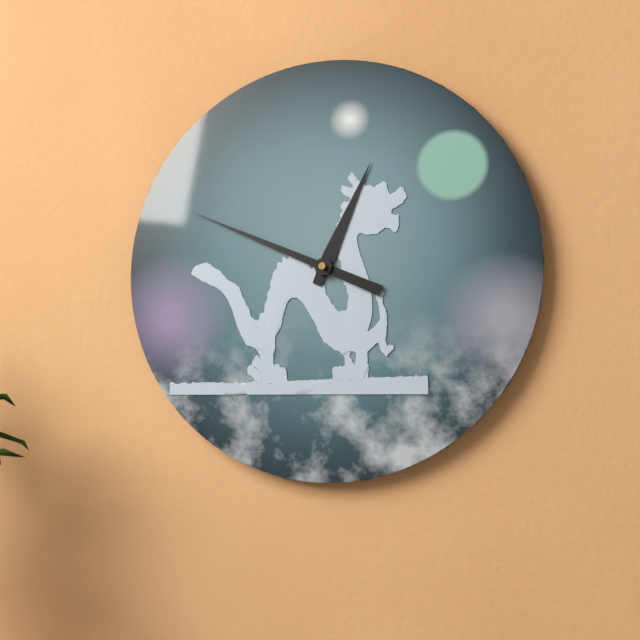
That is 12:49
